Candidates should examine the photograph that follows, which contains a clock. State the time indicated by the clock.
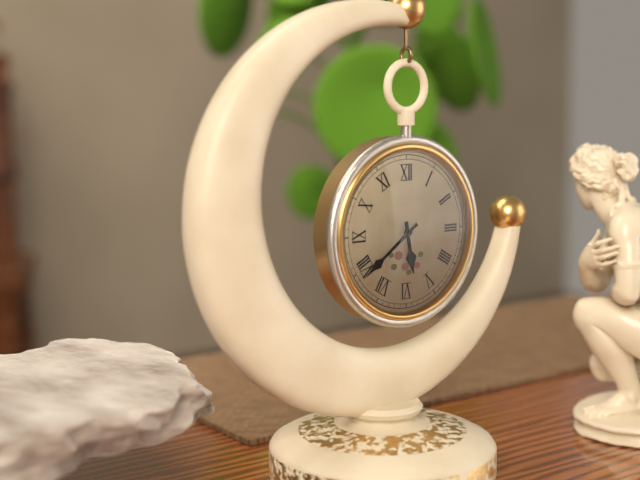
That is 5:39
